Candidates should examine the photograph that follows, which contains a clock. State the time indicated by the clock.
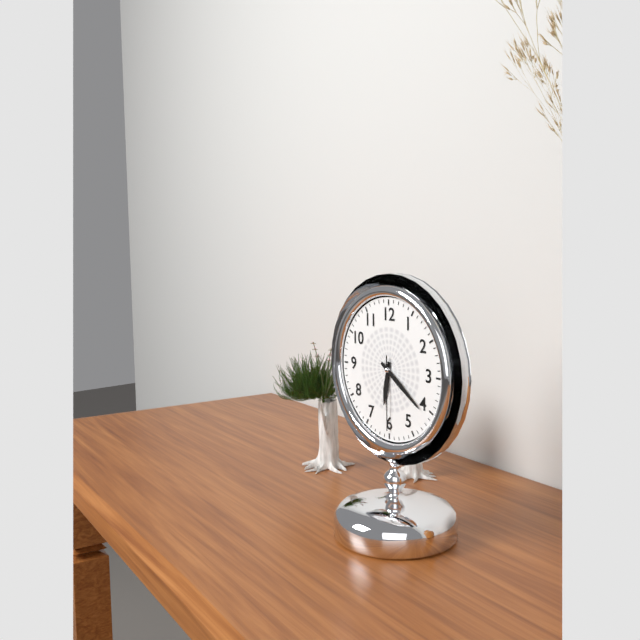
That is 6:21:30
